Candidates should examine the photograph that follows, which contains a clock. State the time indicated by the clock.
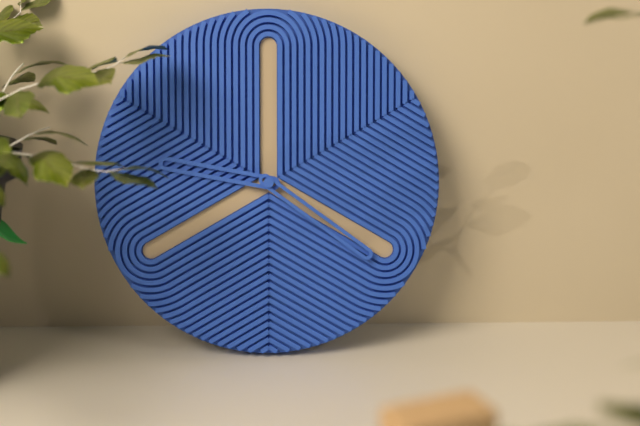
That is 9:21
